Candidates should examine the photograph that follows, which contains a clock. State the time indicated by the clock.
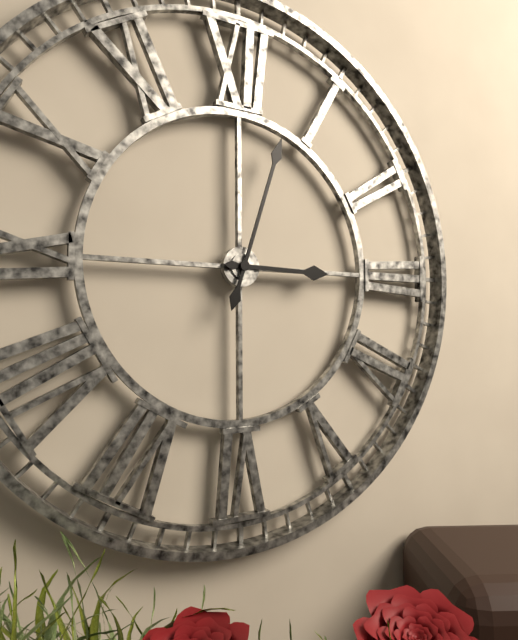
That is 3:03
